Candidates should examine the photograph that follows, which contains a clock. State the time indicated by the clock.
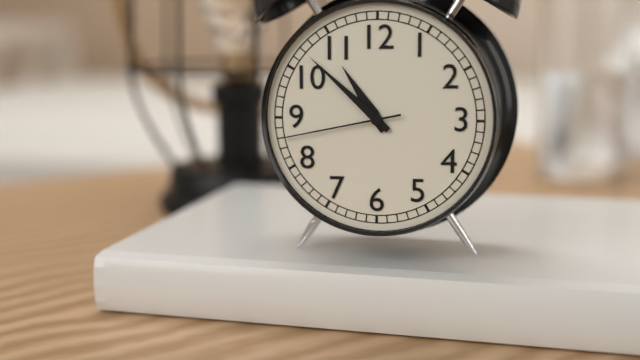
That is 10:52:43
